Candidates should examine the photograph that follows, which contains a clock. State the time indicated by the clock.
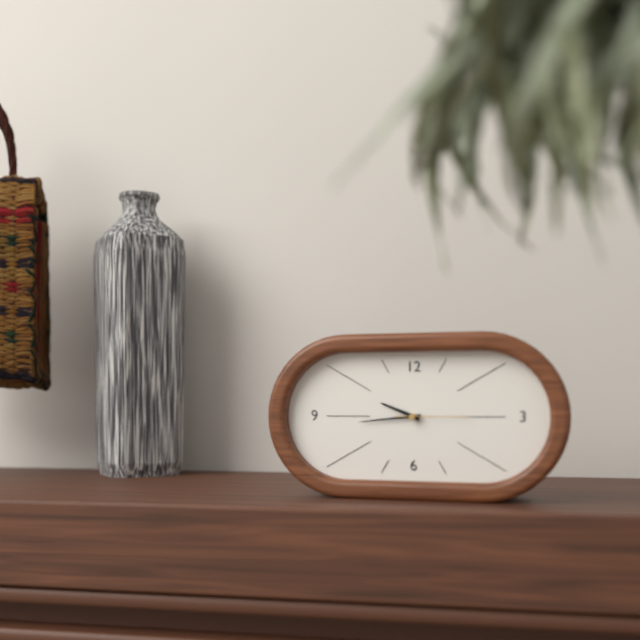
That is 9:44:15
